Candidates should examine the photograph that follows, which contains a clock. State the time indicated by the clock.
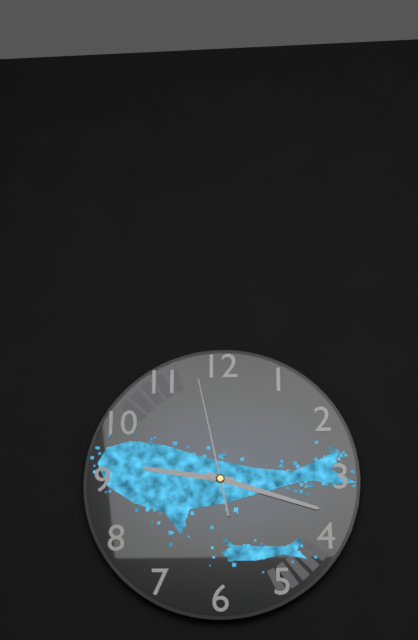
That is 9:18:58
